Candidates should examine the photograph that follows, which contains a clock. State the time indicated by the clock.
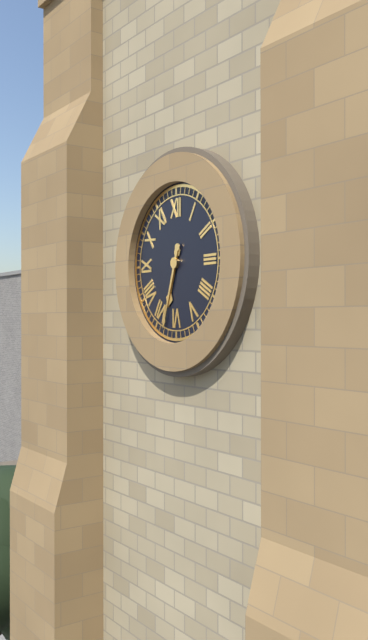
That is 6:33
